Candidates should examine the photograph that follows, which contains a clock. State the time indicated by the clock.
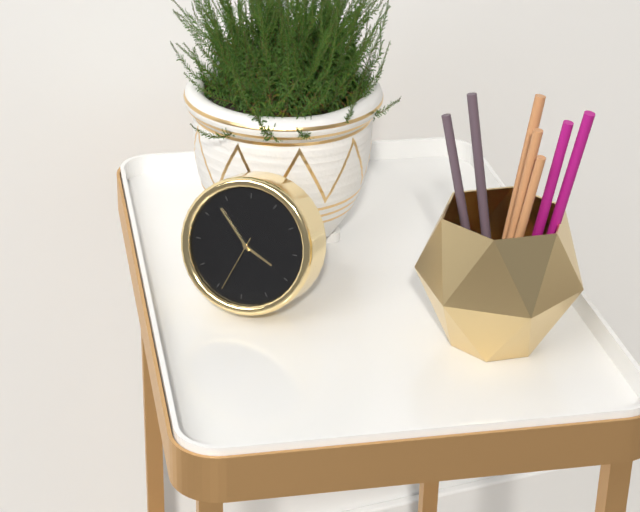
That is 3:53:34
